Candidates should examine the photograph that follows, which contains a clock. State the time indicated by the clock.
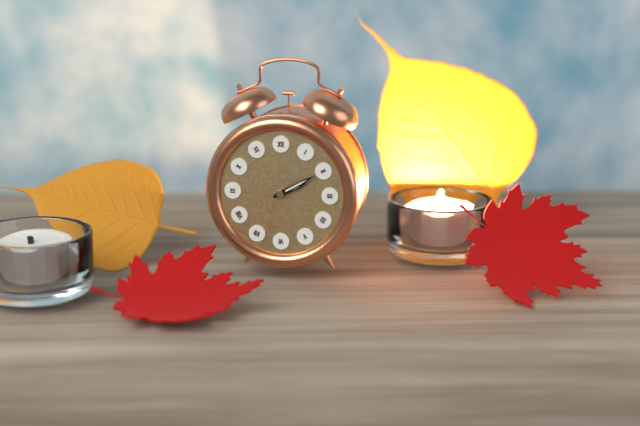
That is 2:10
